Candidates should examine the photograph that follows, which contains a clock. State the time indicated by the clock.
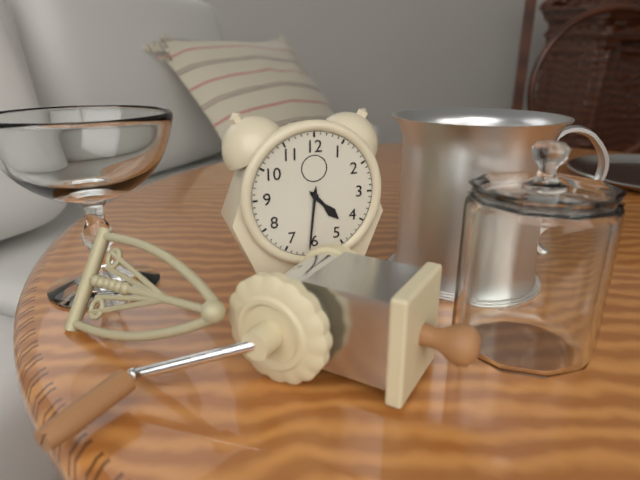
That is 4:31
